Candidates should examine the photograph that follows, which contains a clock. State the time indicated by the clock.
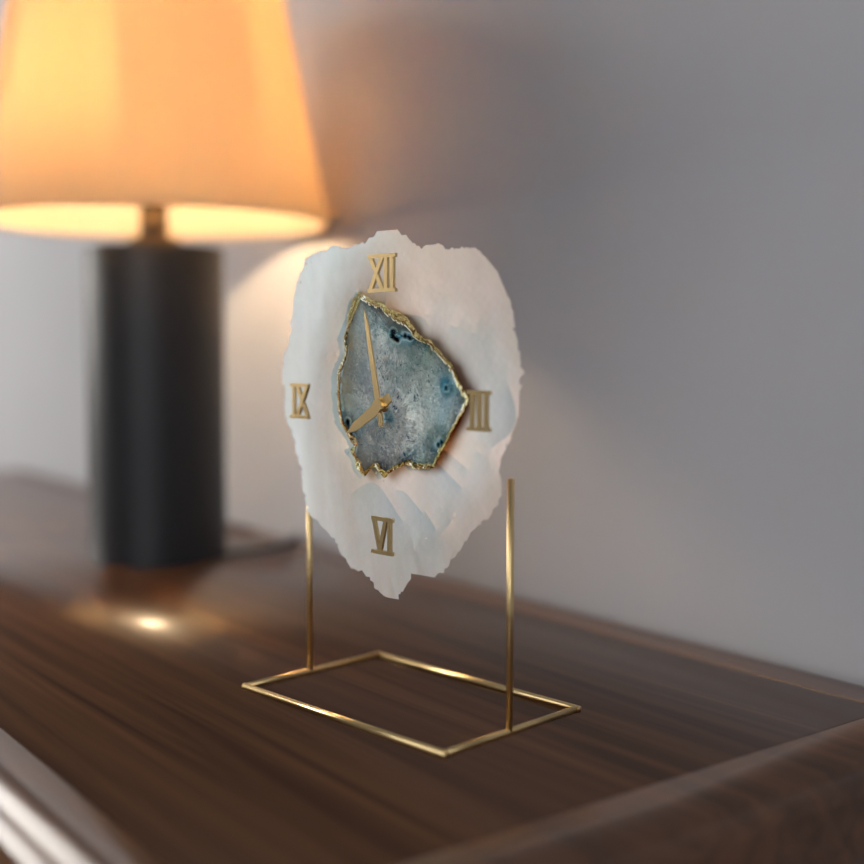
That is 7:58
